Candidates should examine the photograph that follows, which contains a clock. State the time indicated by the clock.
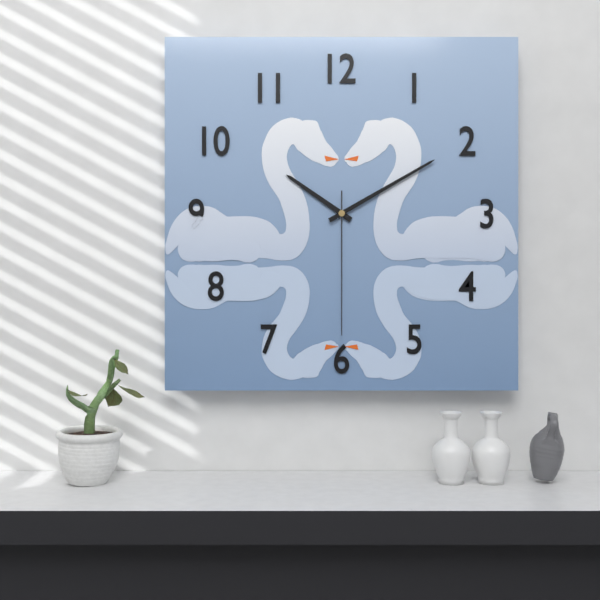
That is 10:10:30
